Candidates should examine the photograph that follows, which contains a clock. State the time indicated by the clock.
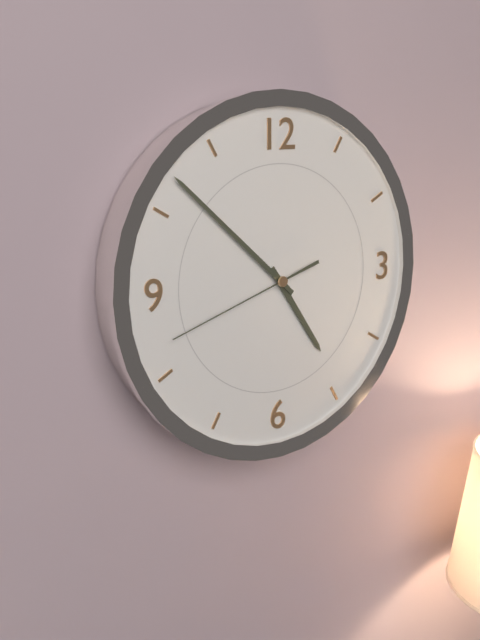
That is 4:52:42
